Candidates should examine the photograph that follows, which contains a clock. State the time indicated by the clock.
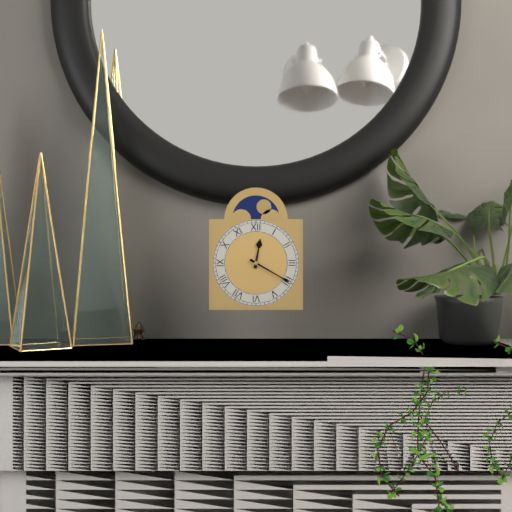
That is 12:20
